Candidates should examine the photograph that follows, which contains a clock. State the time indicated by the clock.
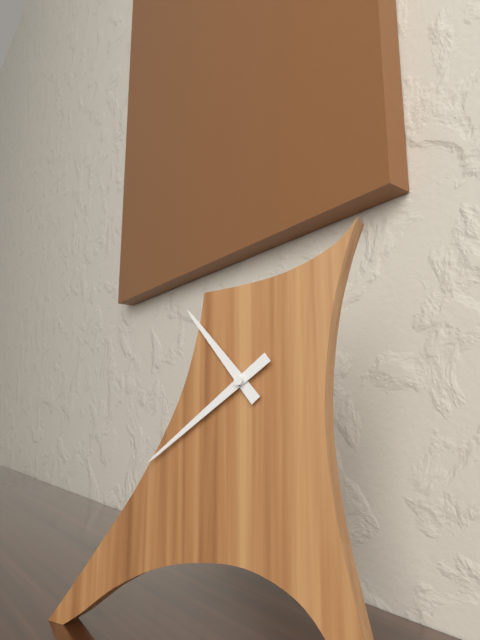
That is 10:39
